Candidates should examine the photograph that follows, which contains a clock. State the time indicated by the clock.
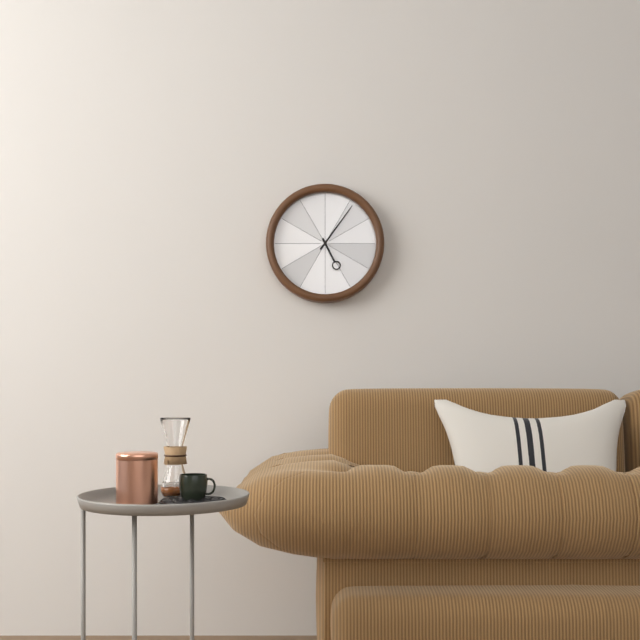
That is 5:06
